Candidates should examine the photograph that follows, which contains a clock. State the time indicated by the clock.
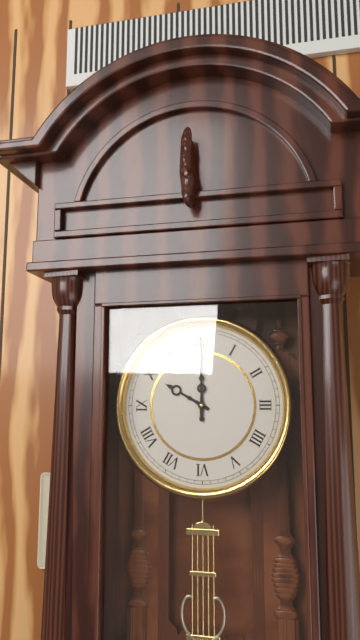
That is 10:00
